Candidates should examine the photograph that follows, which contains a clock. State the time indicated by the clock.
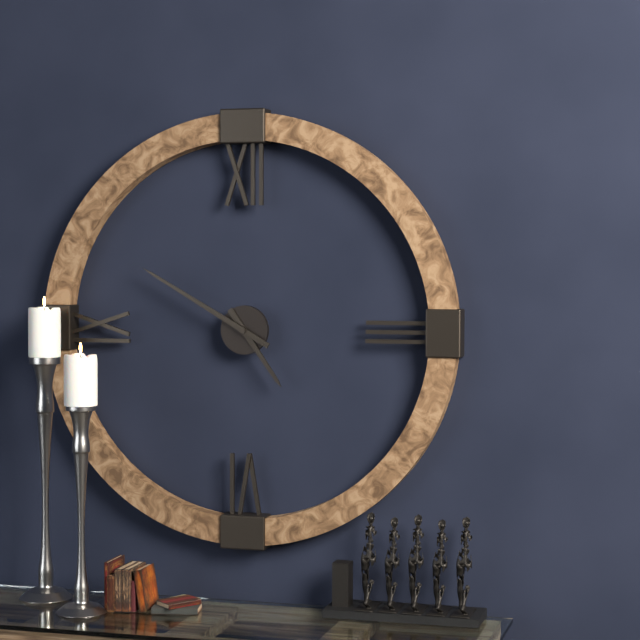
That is 4:50
